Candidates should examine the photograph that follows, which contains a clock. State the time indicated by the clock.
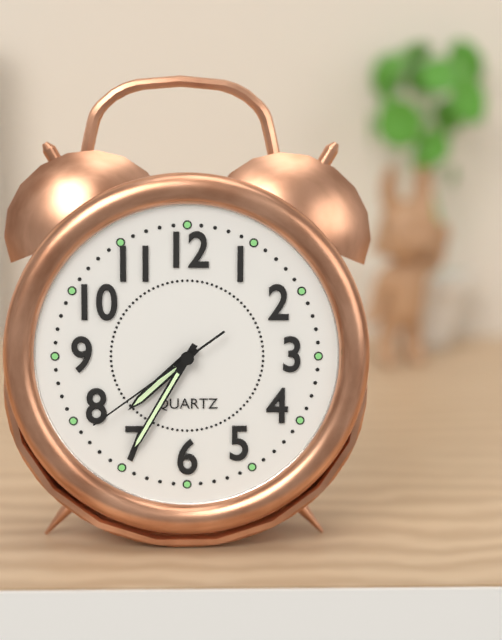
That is 7:35:39
